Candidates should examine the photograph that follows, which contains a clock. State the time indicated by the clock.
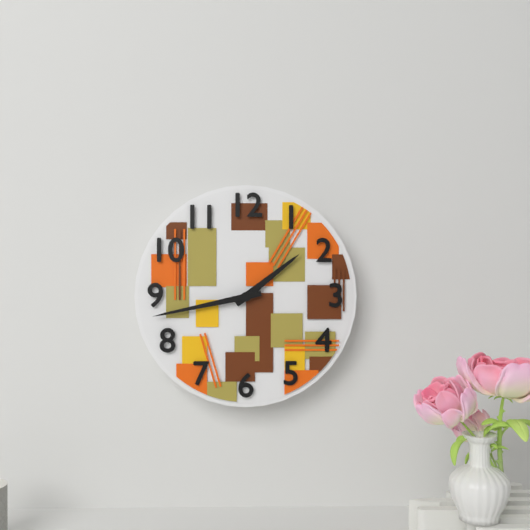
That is 1:43
